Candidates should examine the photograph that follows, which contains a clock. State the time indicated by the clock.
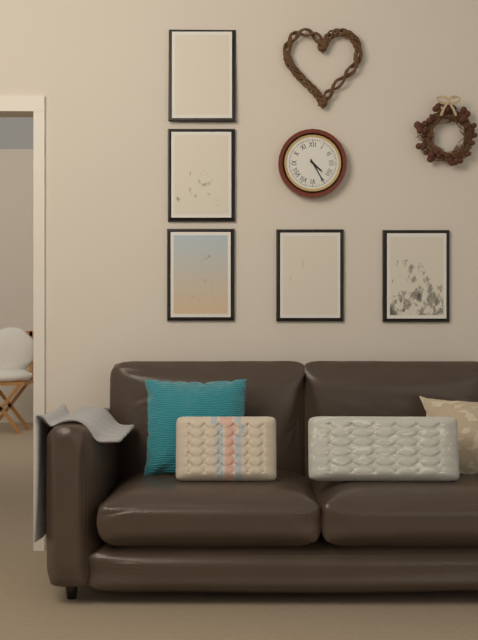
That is 4:25
